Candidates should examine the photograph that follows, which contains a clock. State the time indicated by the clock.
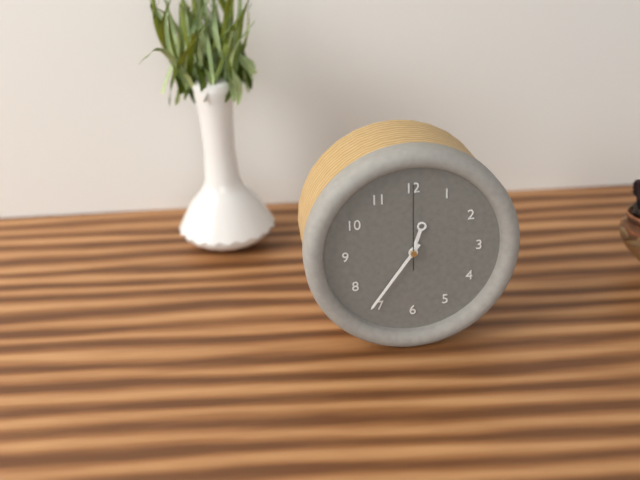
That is 12:36:00
